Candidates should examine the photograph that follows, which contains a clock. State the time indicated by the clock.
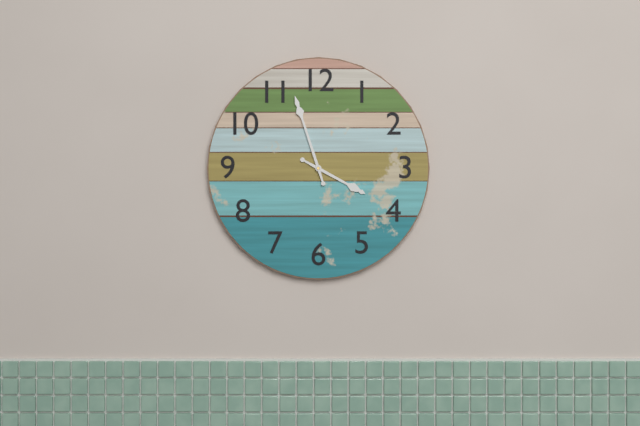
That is 3:57
